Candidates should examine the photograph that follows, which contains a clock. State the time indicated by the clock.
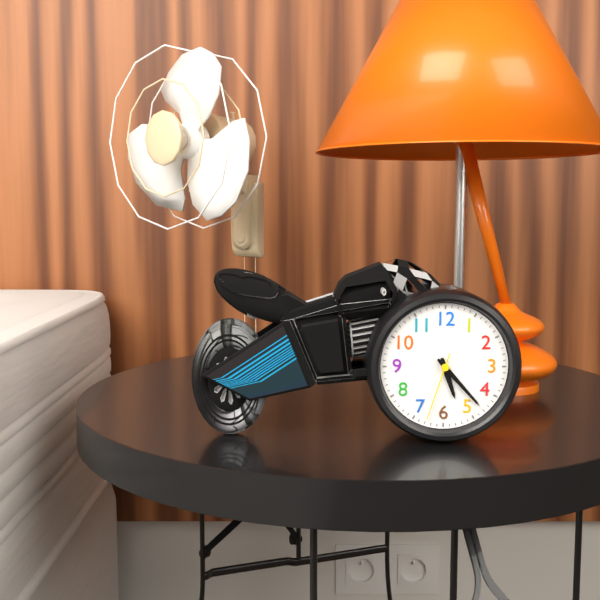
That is 5:23:33
